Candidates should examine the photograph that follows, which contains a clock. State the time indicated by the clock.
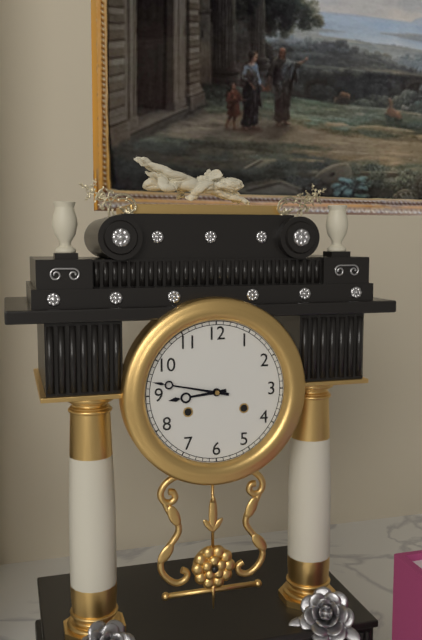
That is 8:47
